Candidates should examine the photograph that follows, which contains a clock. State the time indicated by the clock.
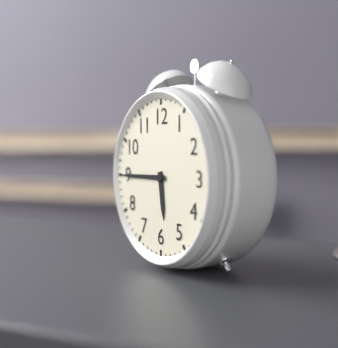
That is 5:45
